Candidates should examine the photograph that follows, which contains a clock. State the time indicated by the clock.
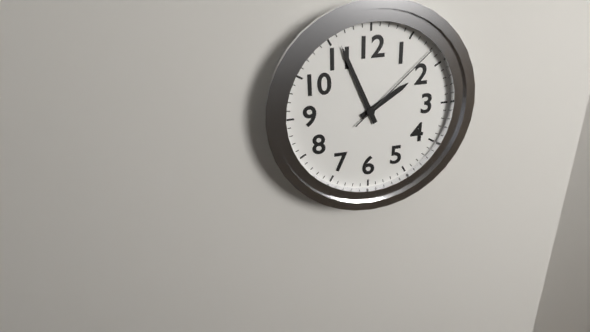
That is 1:56:08
